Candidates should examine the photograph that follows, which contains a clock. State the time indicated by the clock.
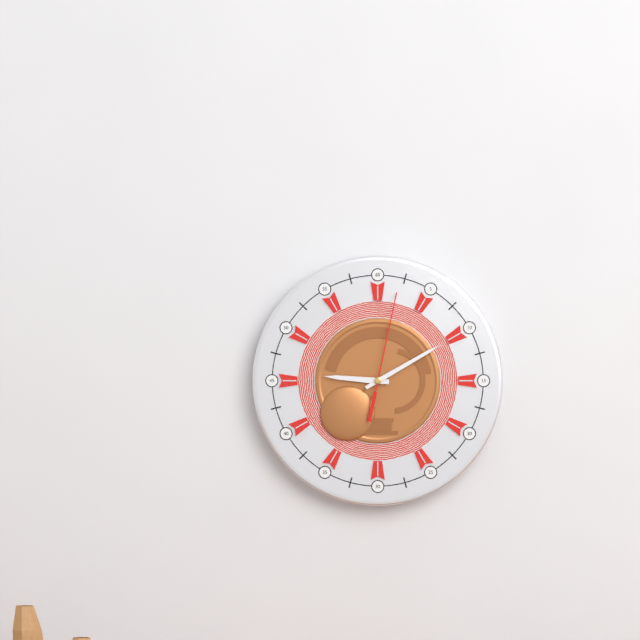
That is 9:10:02
